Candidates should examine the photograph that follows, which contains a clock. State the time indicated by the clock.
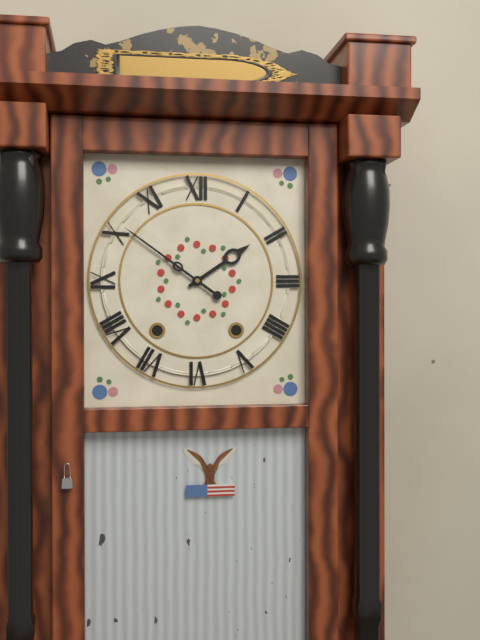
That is 1:51
